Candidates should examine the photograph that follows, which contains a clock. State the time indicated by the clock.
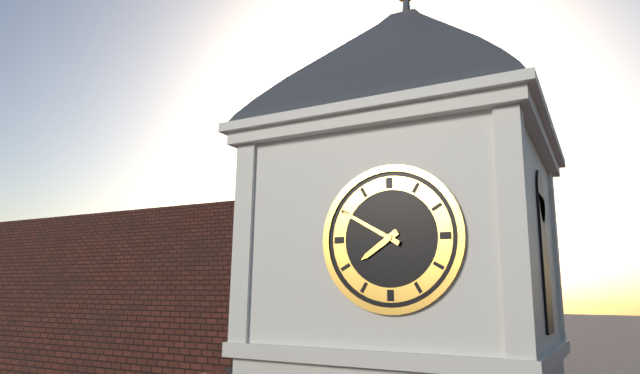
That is 7:50
